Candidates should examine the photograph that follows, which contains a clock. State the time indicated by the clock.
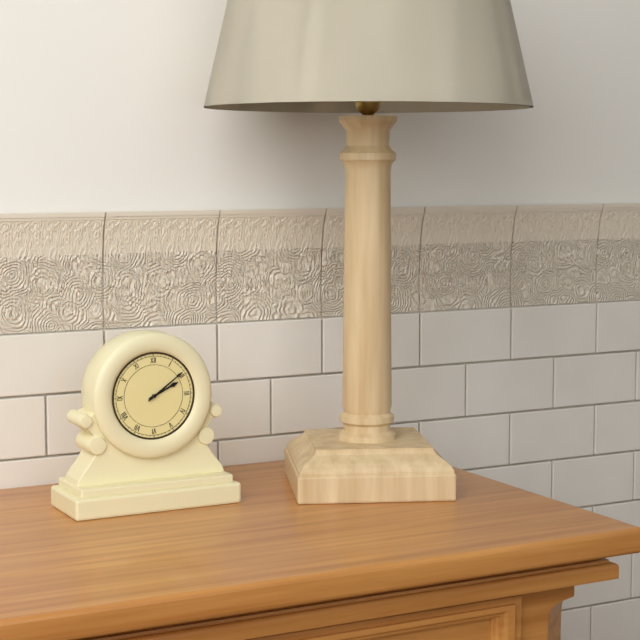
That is 2:09
